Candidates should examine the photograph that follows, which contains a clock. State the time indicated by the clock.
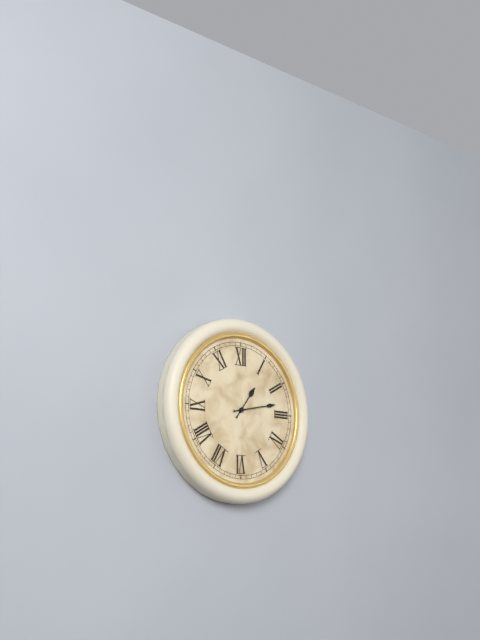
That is 1:13
